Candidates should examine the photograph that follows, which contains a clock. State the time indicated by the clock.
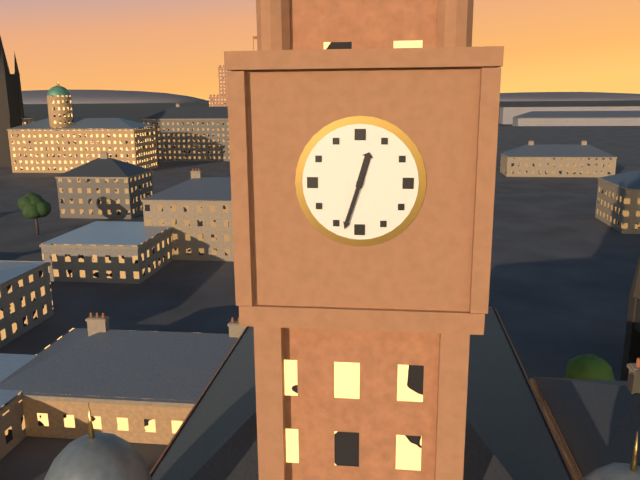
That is 12:33
